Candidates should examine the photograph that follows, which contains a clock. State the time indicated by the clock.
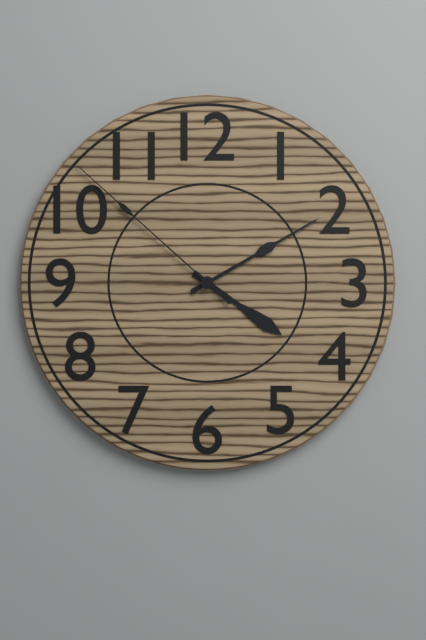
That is 4:10:52
